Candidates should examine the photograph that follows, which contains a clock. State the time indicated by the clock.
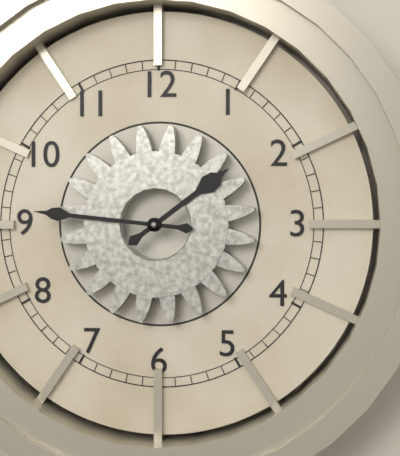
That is 1:46
